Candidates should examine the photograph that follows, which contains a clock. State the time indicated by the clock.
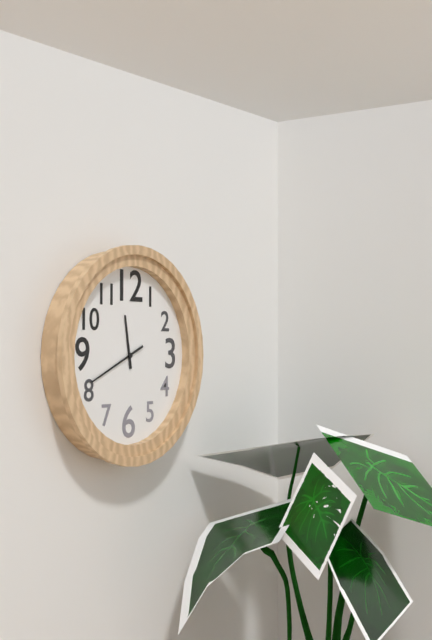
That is 11:41
